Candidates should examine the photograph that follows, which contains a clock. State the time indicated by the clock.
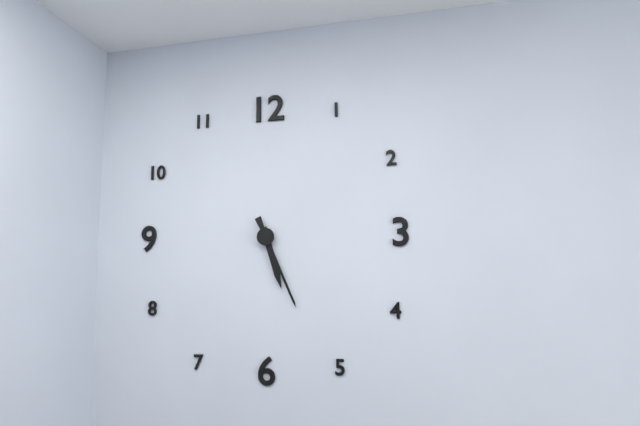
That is 5:26
